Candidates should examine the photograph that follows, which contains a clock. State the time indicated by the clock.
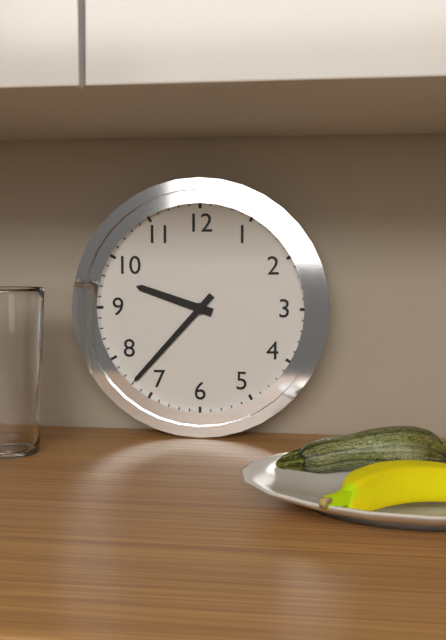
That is 9:37
